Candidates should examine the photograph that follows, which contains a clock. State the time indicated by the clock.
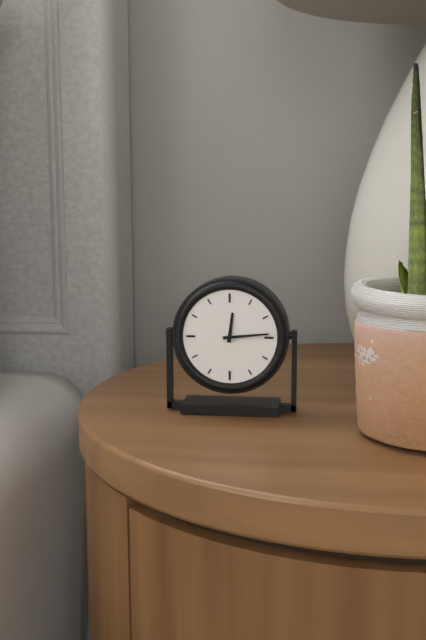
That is 12:14
